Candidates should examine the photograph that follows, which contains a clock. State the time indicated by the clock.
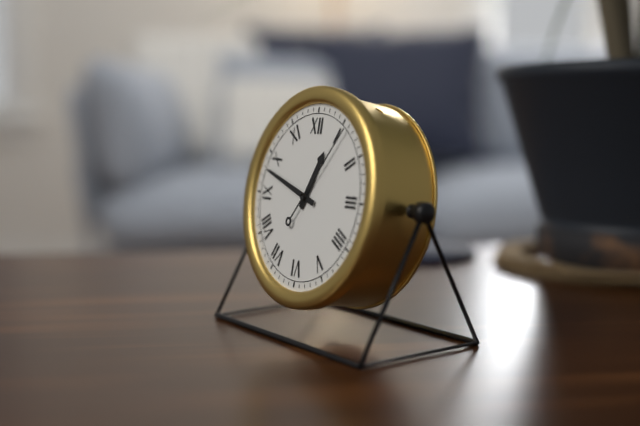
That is 12:48:06
